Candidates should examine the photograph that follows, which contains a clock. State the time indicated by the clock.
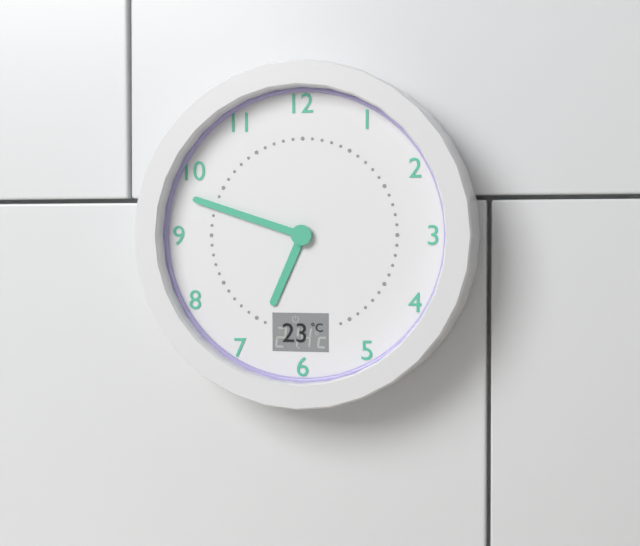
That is 6:48
